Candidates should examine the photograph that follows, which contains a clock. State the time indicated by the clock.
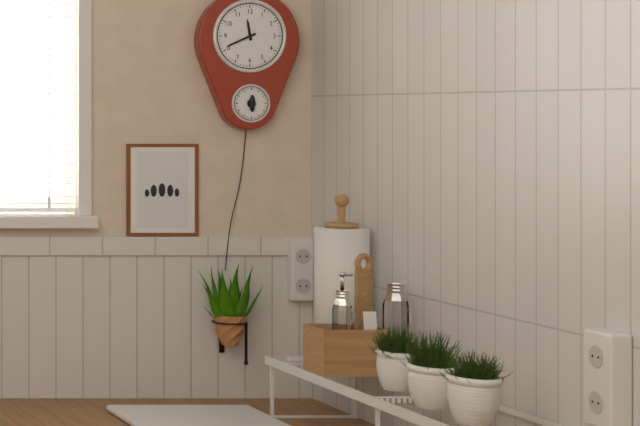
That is 11:41
